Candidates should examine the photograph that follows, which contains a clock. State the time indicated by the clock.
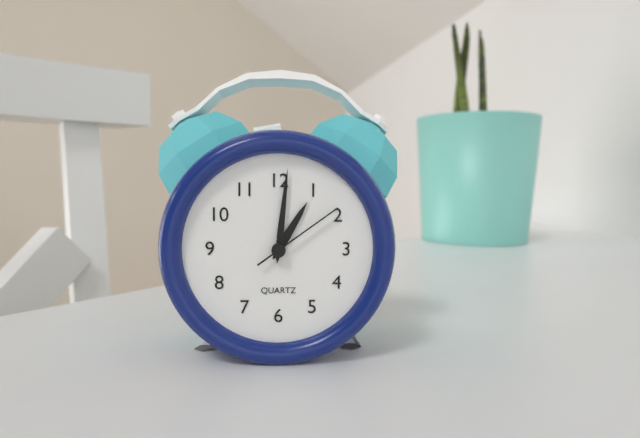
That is 1:01:09
